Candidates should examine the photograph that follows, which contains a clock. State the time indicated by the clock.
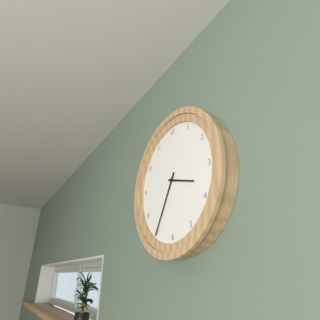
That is 3:35
